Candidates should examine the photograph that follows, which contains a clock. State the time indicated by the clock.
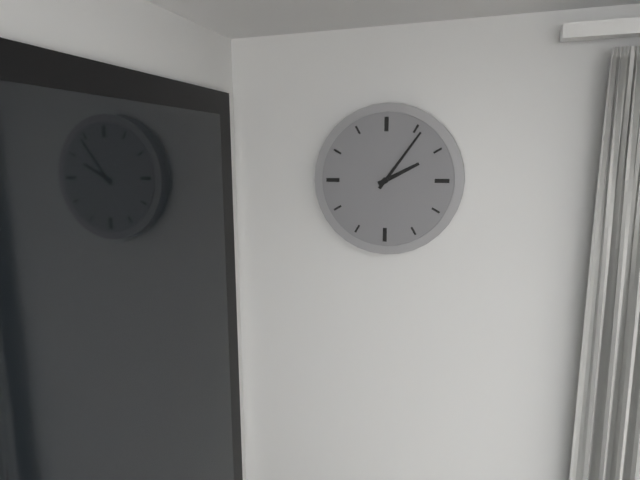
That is 2:06
